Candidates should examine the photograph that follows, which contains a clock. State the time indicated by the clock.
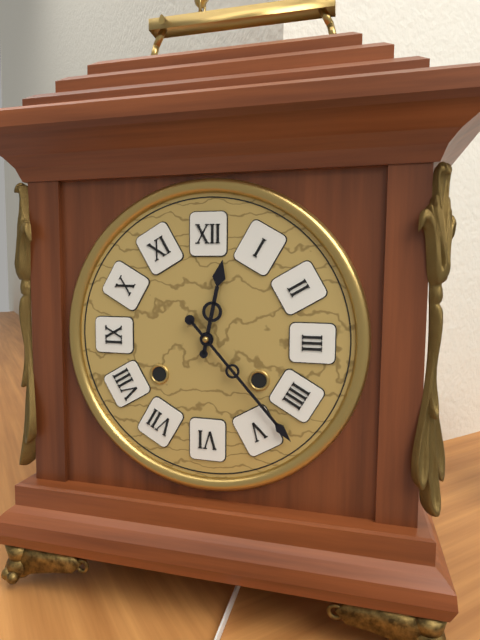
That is 12:23
